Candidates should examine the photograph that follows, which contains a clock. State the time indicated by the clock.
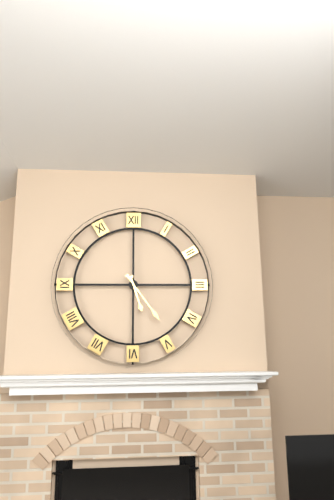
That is 5:24
